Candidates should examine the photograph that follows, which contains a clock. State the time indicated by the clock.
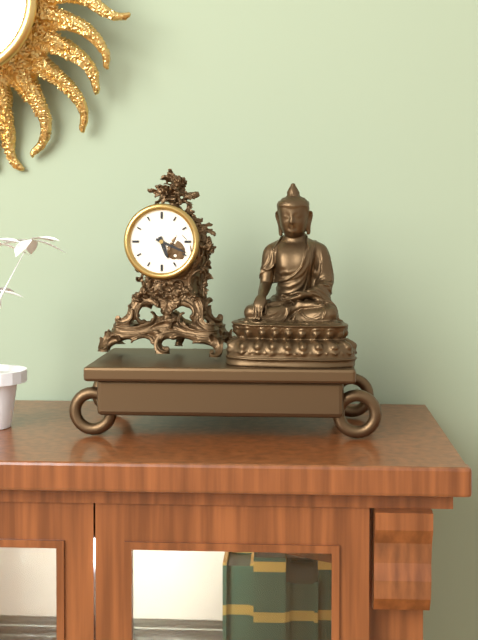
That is 5:19
